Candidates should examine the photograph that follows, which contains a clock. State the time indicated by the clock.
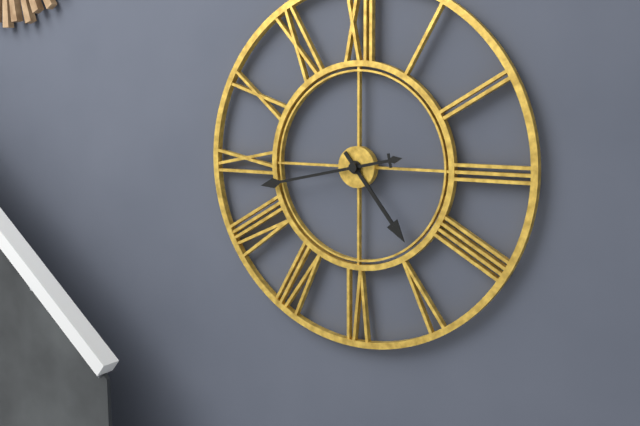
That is 4:43
